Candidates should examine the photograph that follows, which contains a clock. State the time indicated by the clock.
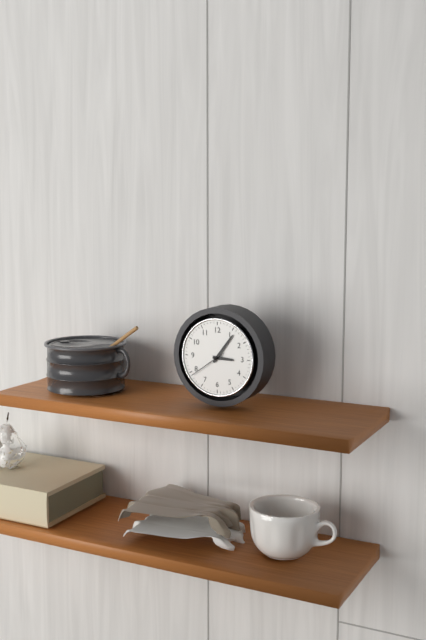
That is 3:06
